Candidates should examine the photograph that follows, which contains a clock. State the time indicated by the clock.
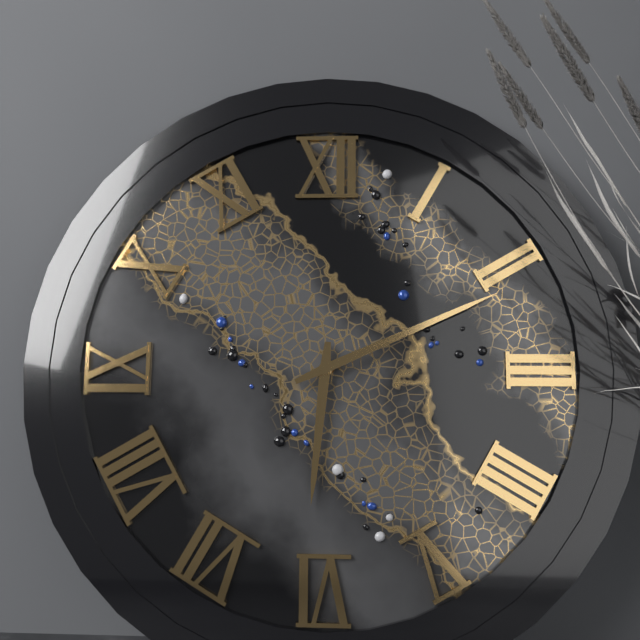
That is 6:11
